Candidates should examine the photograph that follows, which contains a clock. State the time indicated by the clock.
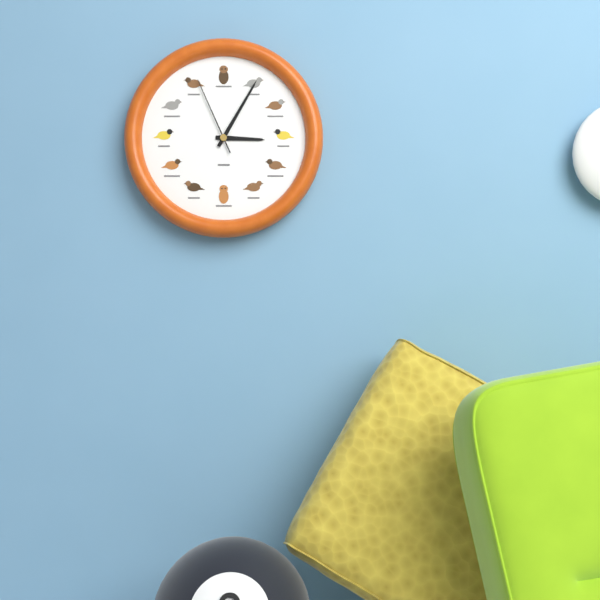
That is 3:05:56
